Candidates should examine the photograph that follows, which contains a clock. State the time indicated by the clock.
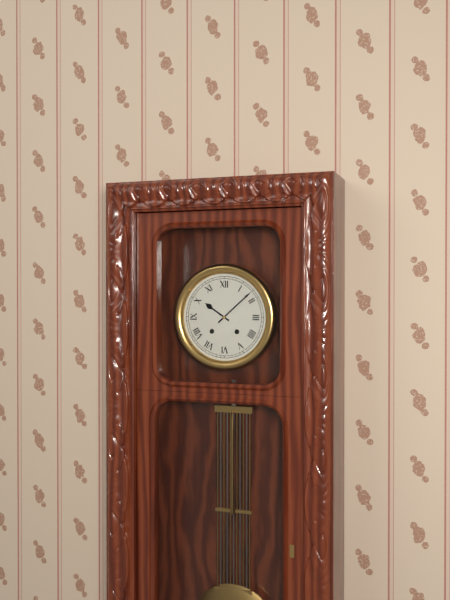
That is 10:08
